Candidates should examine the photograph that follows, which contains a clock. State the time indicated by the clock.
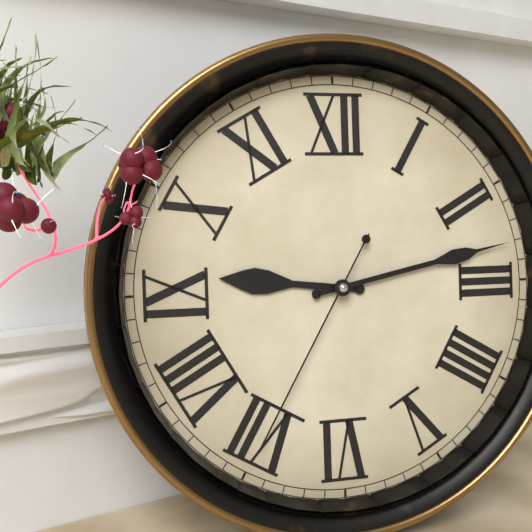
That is 9:13:35
